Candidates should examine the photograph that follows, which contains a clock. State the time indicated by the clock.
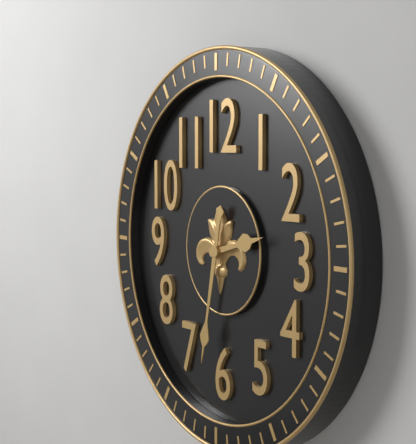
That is 2:32
